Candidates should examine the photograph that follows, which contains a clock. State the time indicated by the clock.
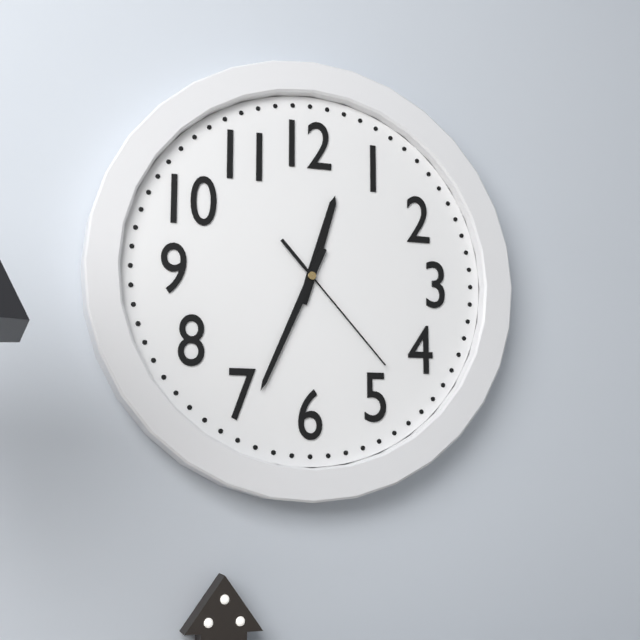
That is 12:34:23
